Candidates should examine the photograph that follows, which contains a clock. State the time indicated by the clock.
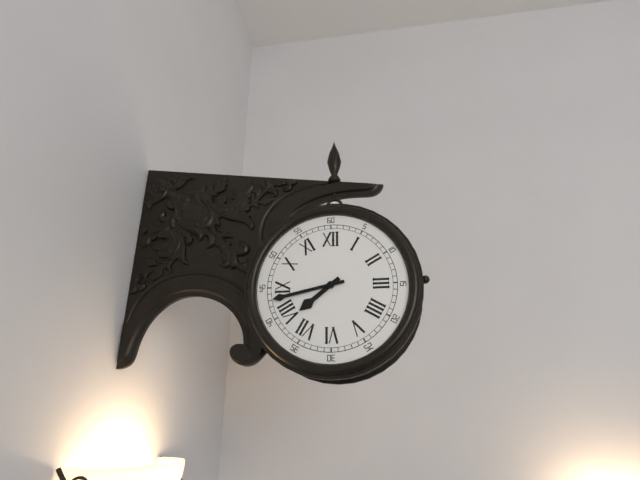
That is 7:43
